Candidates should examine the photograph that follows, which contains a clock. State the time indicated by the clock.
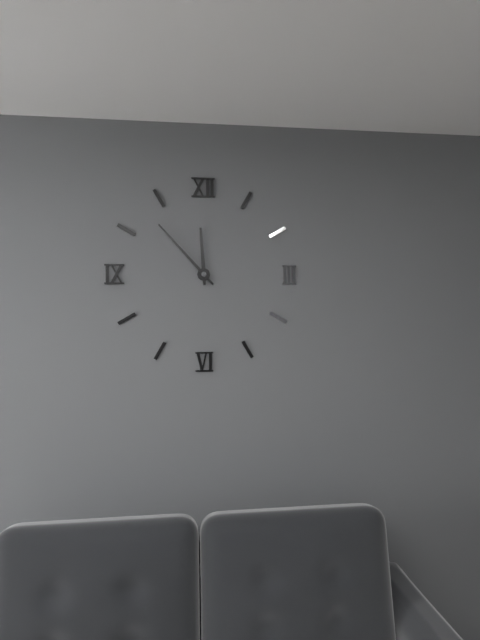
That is 11:53
